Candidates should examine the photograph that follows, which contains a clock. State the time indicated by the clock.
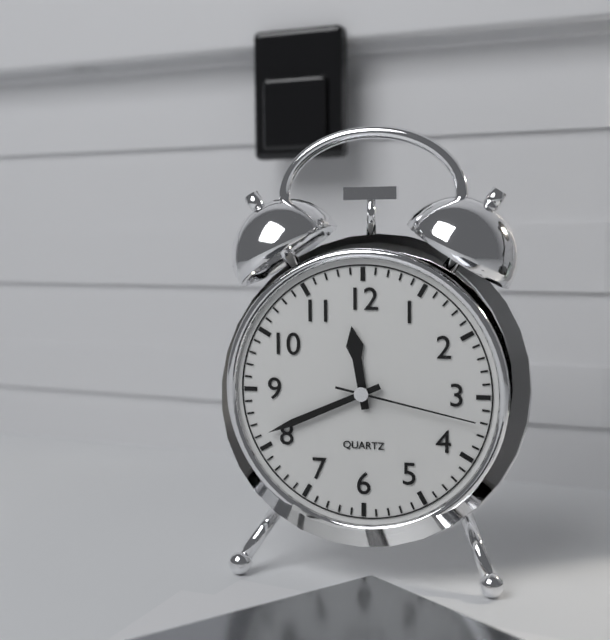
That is 11:41:17
